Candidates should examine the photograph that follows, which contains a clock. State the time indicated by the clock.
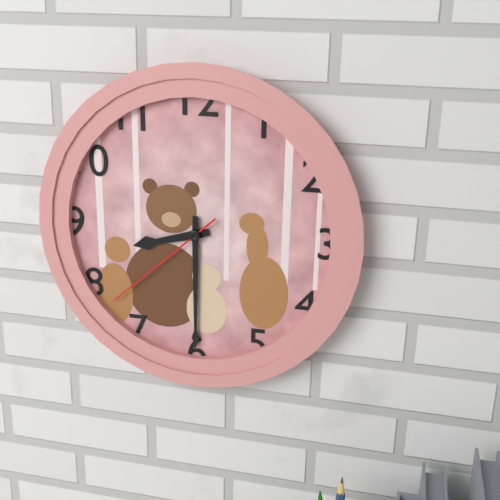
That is 8:30:38
